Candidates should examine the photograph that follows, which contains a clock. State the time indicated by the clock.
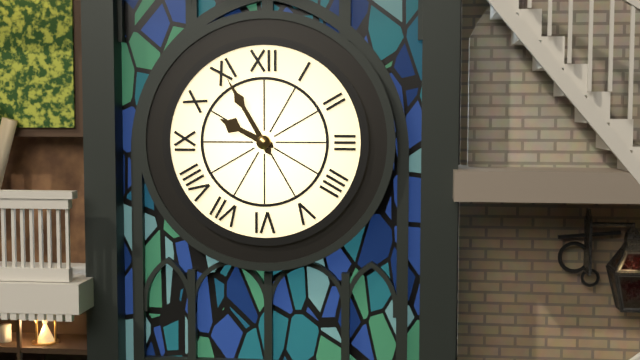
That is 9:55
